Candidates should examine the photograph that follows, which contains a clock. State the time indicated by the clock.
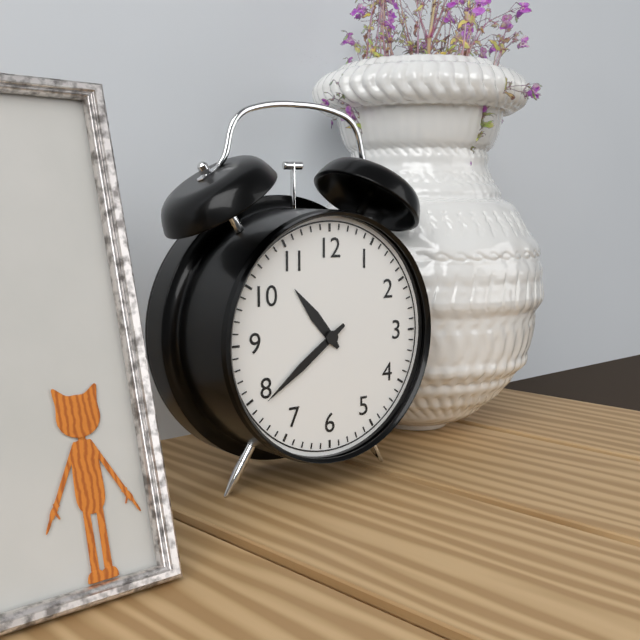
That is 10:39
